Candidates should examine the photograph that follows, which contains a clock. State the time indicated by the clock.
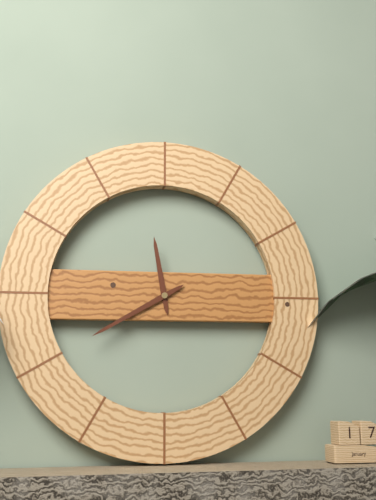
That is 11:40
